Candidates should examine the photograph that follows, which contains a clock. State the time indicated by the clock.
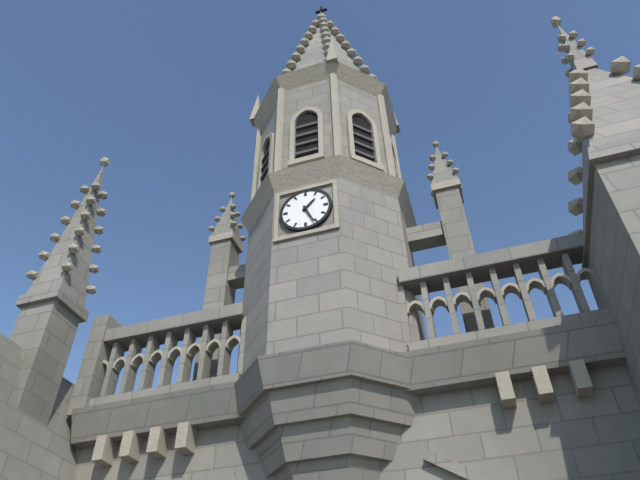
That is 1:26
